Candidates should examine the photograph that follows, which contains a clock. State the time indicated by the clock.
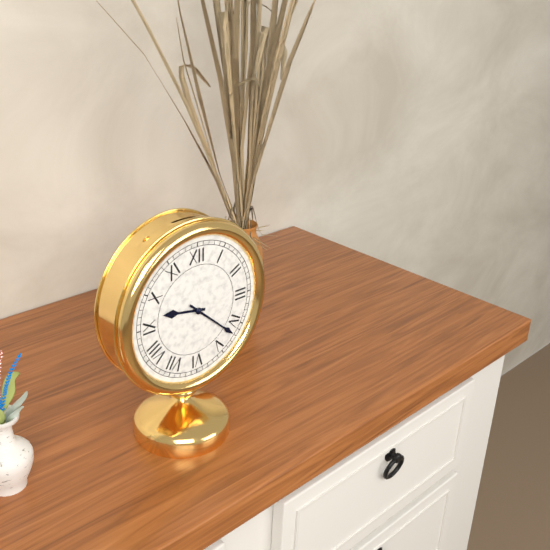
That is 9:22
